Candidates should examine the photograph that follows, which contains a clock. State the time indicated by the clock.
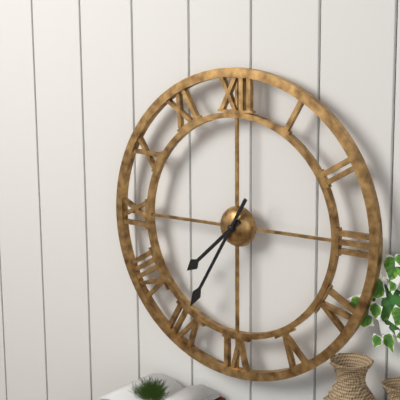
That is 7:35
